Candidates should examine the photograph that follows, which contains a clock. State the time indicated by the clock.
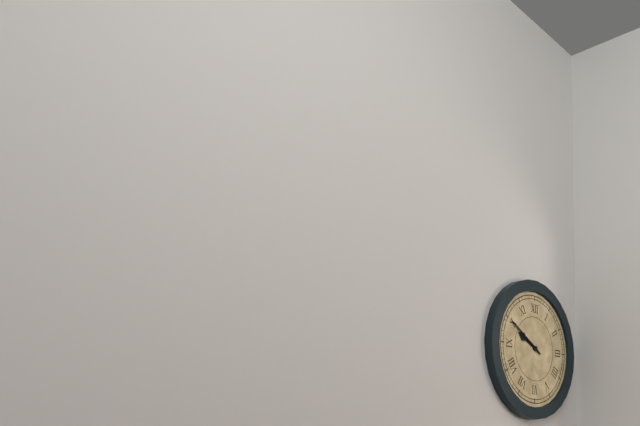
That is 9:50
